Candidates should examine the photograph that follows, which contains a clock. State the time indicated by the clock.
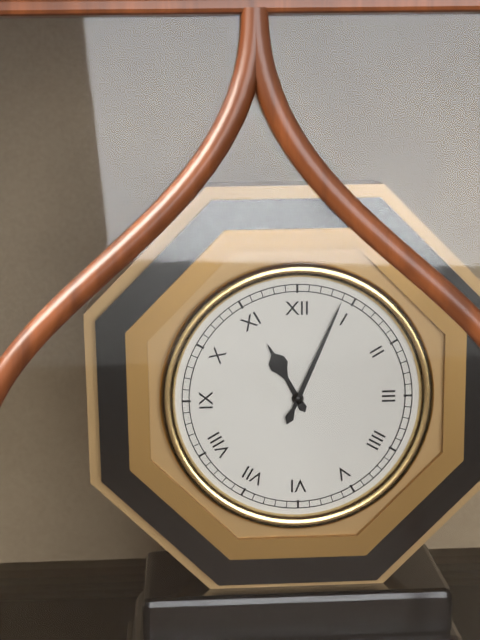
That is 11:04
